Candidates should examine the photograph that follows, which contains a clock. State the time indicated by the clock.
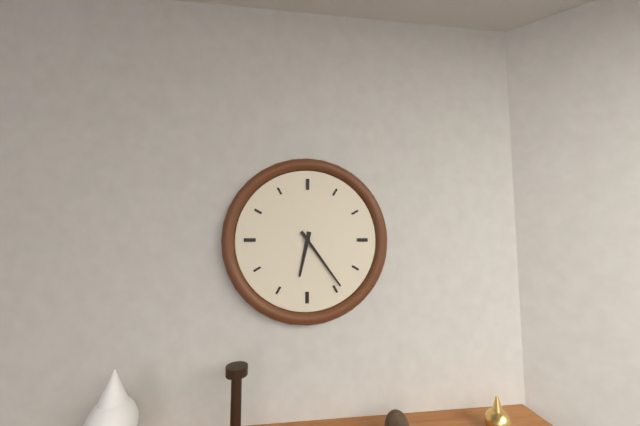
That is 6:24
